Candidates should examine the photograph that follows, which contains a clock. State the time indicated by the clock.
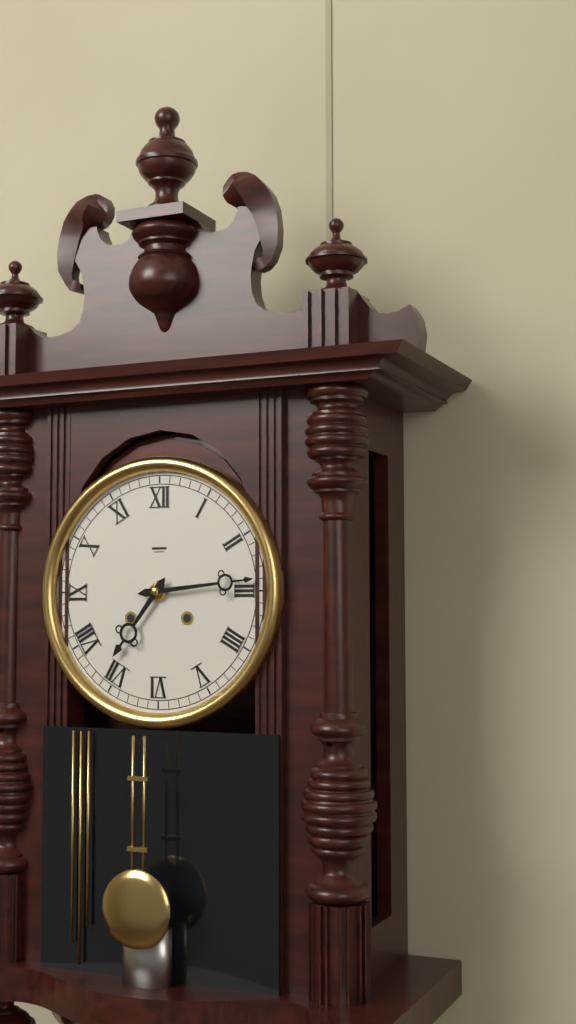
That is 7:14
